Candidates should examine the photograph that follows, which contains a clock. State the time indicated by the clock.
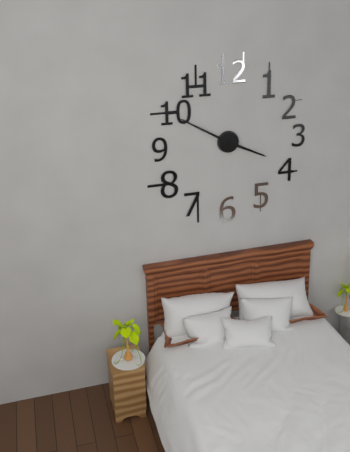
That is 3:50
